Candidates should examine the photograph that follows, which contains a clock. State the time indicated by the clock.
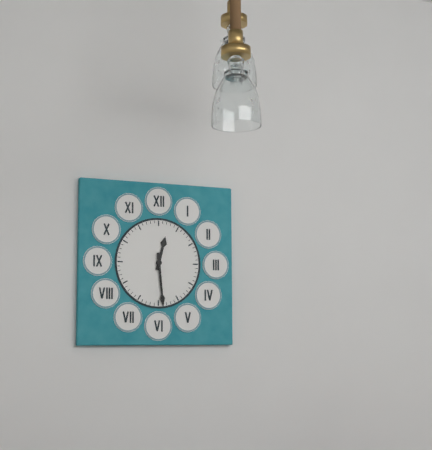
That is 12:29
